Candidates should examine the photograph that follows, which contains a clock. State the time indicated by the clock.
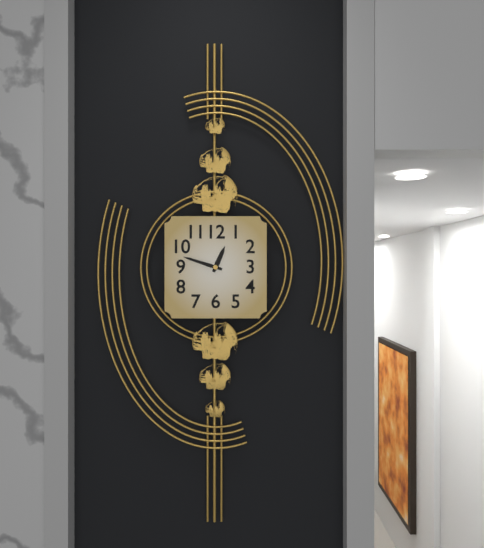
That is 12:48
